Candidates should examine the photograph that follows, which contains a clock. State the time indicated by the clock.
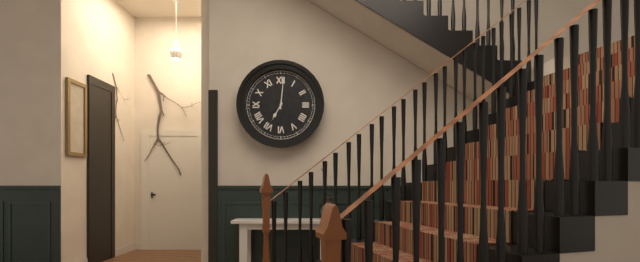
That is 7:01
